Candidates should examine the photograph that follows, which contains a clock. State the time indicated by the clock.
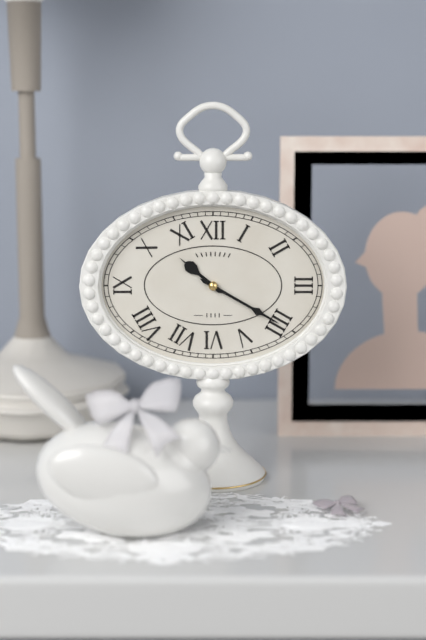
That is 10:20
